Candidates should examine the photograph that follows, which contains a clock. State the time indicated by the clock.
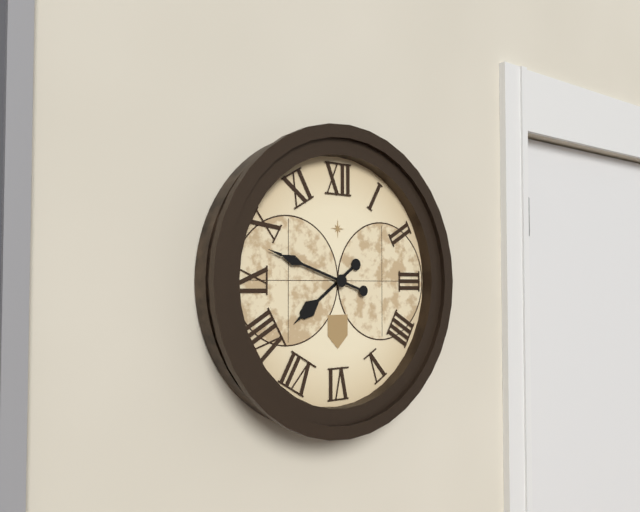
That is 7:48
